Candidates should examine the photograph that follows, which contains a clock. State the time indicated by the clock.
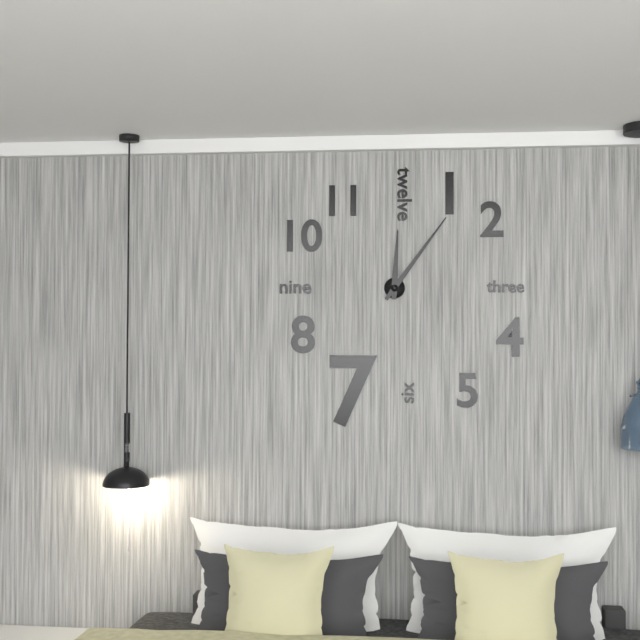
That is 12:06
